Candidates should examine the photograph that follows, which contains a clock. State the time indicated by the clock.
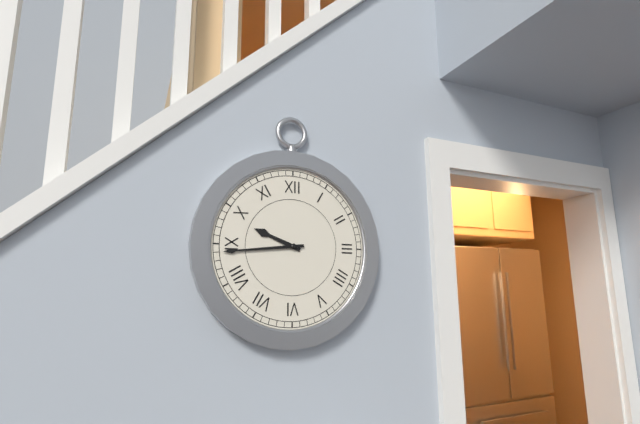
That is 9:44
